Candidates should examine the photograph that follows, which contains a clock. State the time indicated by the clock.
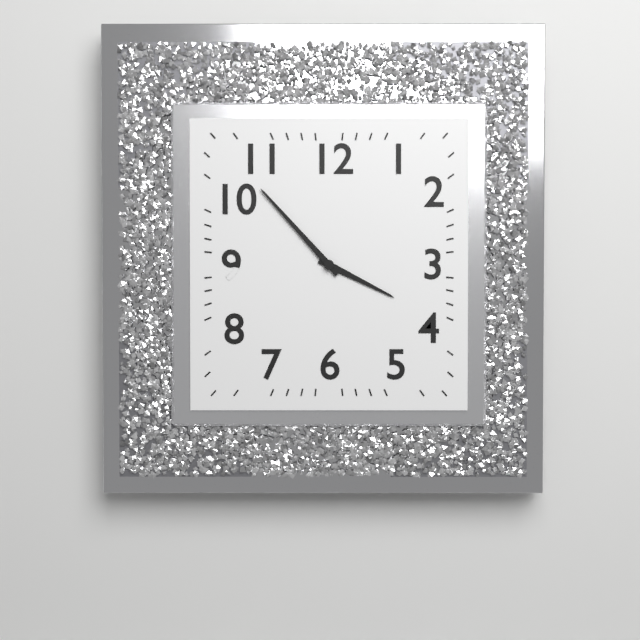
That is 3:53
